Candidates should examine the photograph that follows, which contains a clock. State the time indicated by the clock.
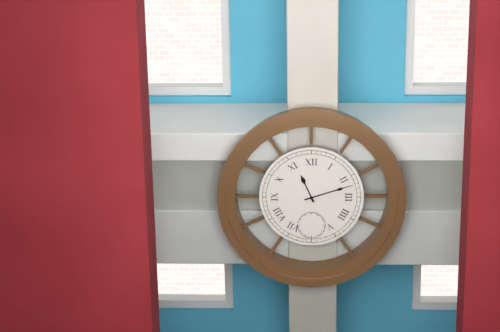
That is 11:12
